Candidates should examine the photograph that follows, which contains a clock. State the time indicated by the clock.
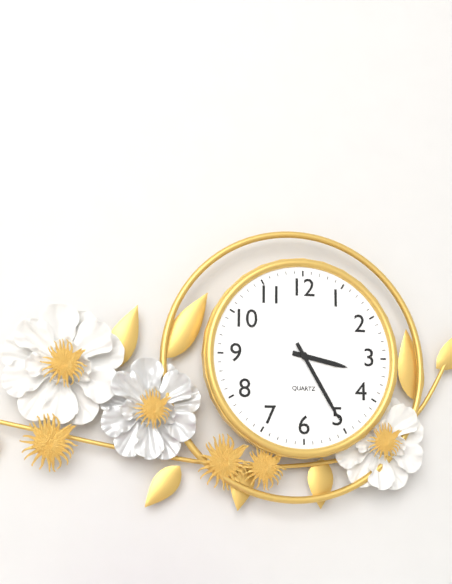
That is 3:25
